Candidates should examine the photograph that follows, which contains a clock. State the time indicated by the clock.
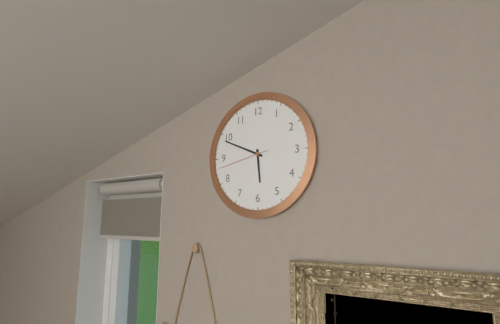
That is 5:49:43
